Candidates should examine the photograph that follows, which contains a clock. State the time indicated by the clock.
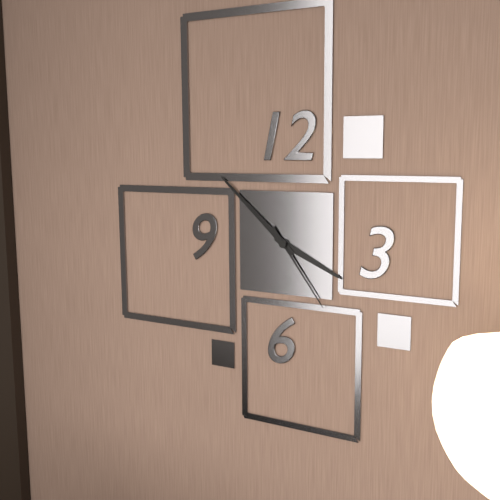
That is 3:52:24
